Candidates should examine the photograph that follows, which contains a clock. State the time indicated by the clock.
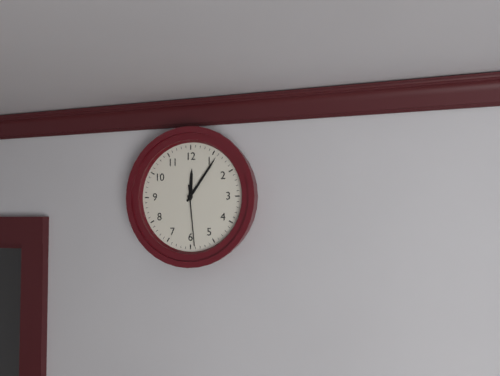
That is 12:06:29
